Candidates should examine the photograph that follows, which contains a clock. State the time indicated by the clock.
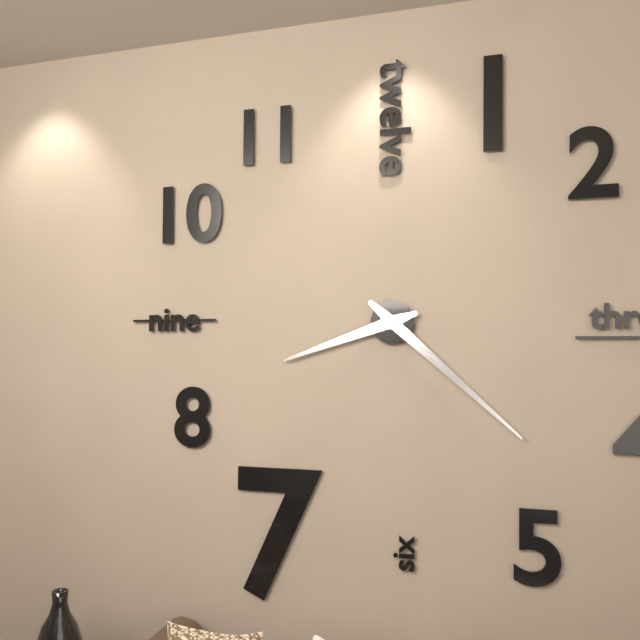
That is 8:22
